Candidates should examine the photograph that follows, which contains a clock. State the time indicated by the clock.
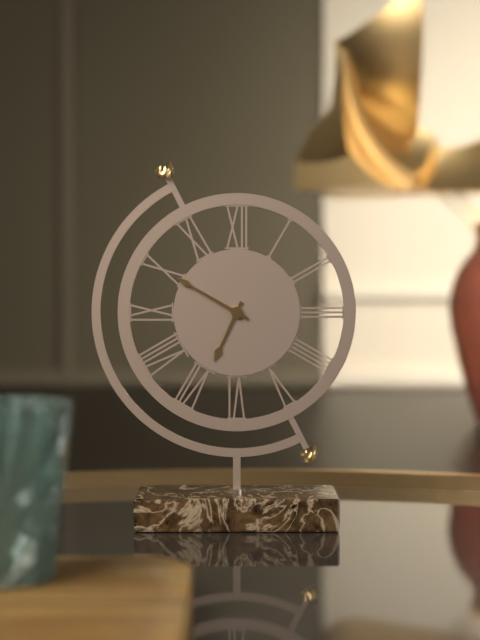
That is 6:50
